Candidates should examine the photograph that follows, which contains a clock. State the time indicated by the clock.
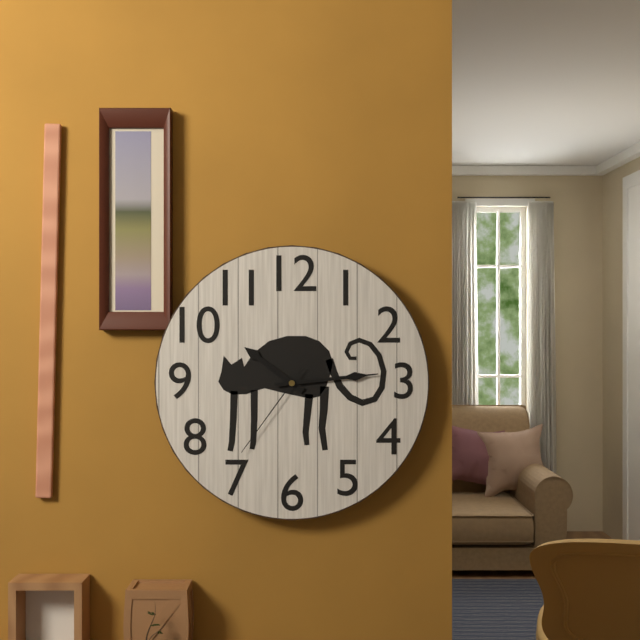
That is 10:14:36
